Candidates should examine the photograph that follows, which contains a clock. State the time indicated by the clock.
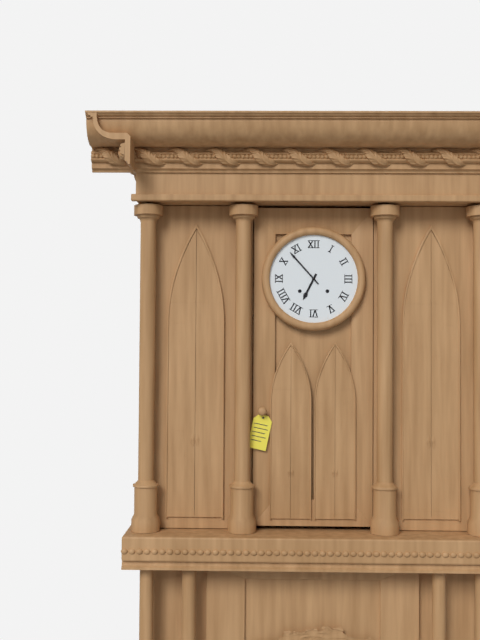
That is 6:53
